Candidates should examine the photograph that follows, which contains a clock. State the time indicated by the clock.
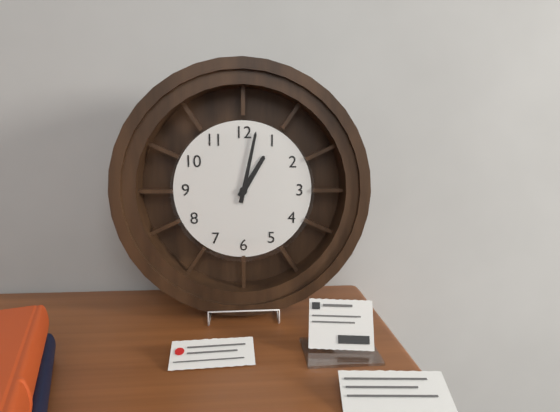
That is 1:02
